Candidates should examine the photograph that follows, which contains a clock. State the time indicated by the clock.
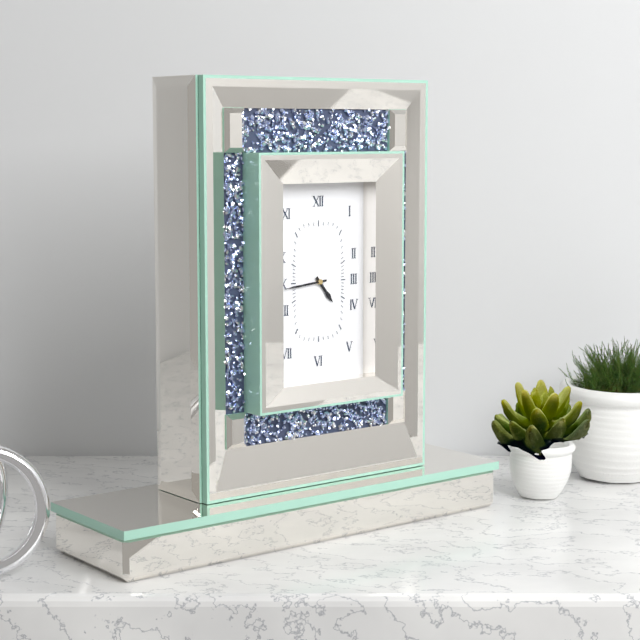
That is 4:44
